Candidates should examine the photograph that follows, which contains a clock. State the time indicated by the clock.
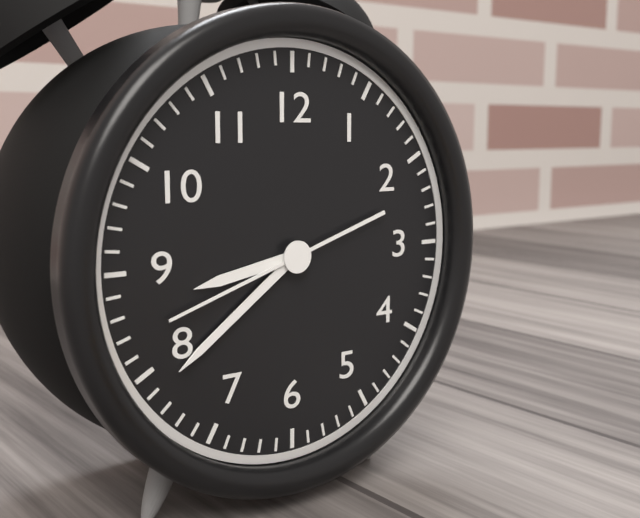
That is 8:39:42
